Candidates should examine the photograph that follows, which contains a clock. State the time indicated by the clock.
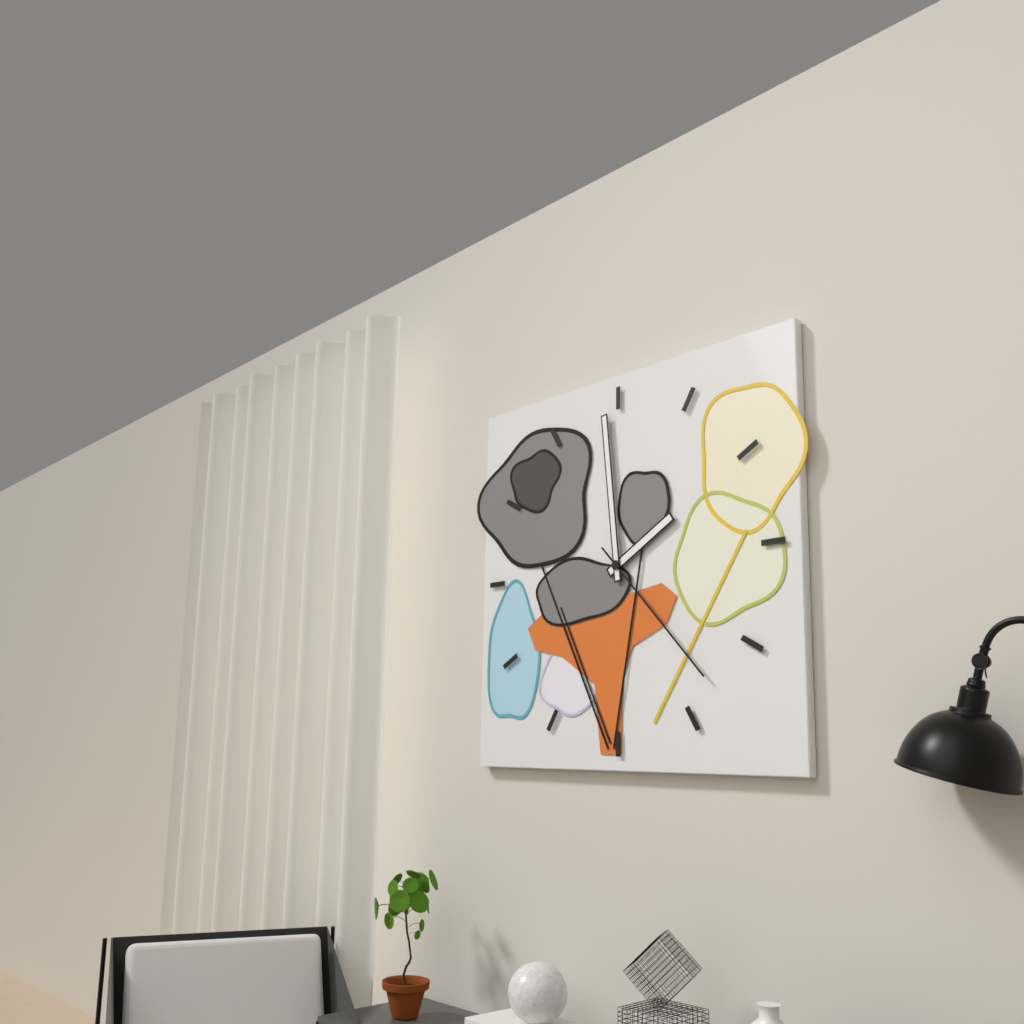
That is 1:59:23
